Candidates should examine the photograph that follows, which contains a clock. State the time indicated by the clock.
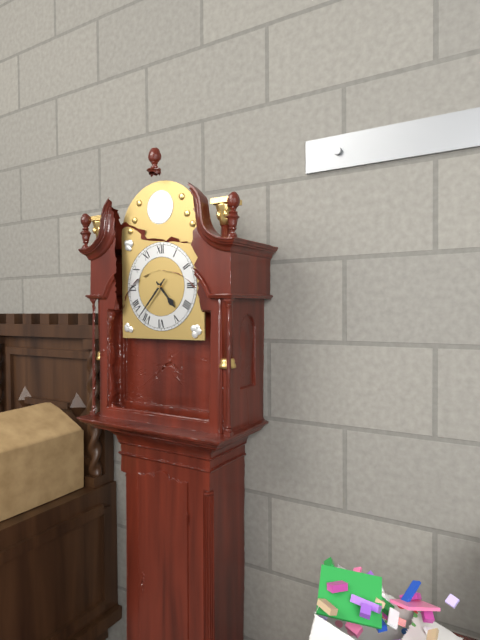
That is 4:37
